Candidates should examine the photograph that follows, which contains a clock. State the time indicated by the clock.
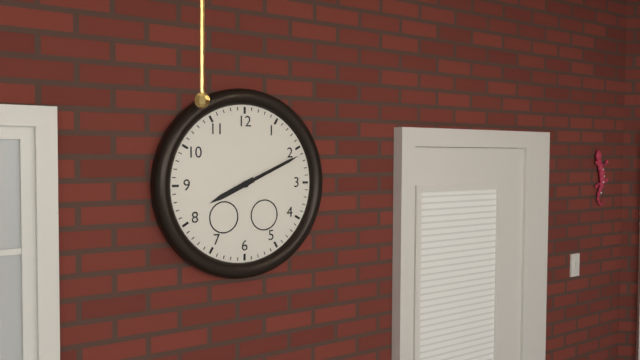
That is 8:11
